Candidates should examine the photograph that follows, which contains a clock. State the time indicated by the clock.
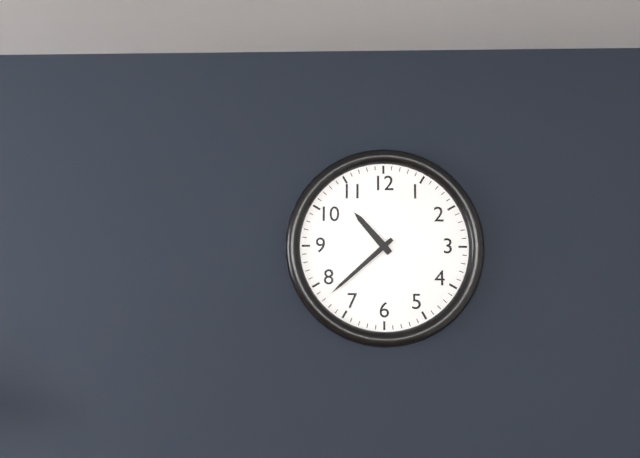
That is 10:38
